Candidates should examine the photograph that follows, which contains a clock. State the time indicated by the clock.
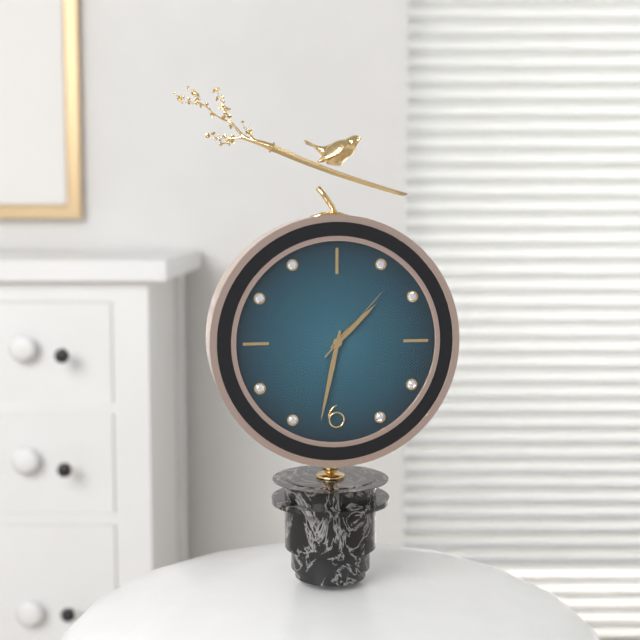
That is 1:32:07
